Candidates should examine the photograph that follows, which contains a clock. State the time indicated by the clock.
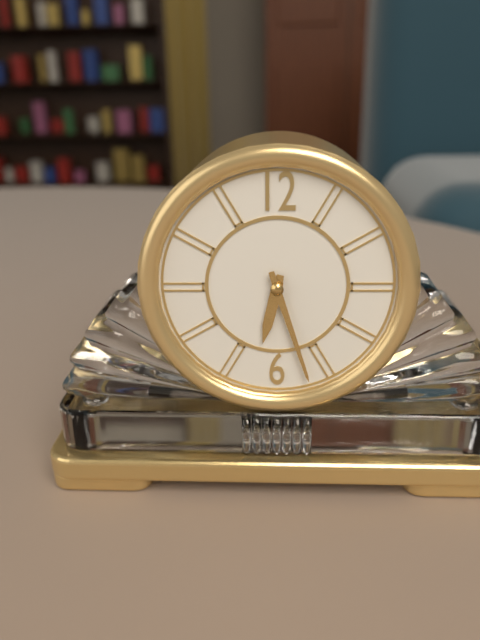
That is 6:27
